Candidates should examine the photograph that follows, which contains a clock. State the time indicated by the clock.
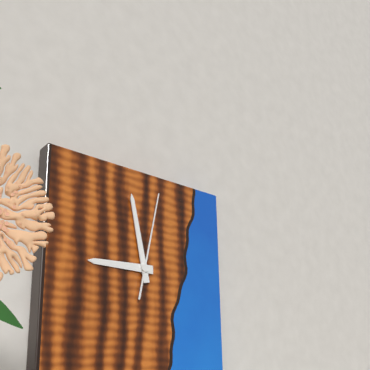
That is 8:58:02
